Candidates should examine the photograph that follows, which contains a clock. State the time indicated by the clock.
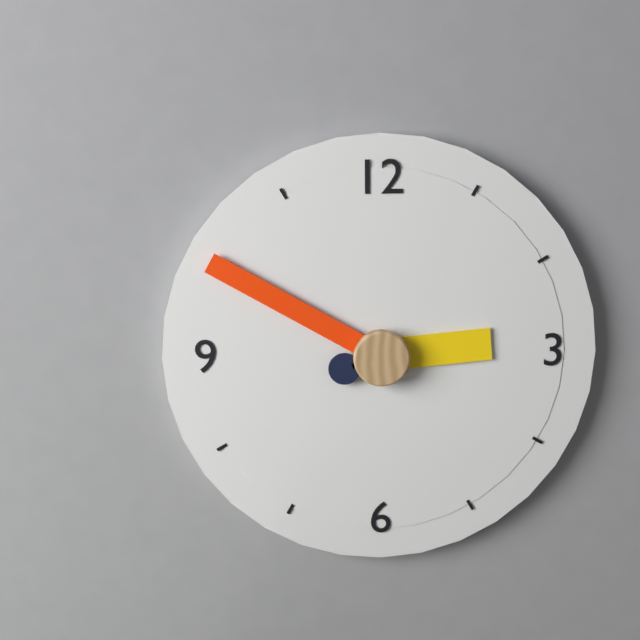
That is 2:50:42
